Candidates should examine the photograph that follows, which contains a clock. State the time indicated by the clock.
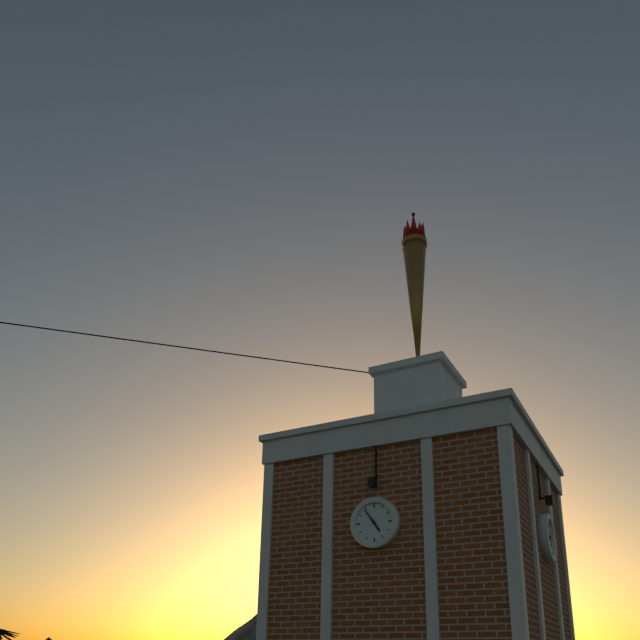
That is 4:54
